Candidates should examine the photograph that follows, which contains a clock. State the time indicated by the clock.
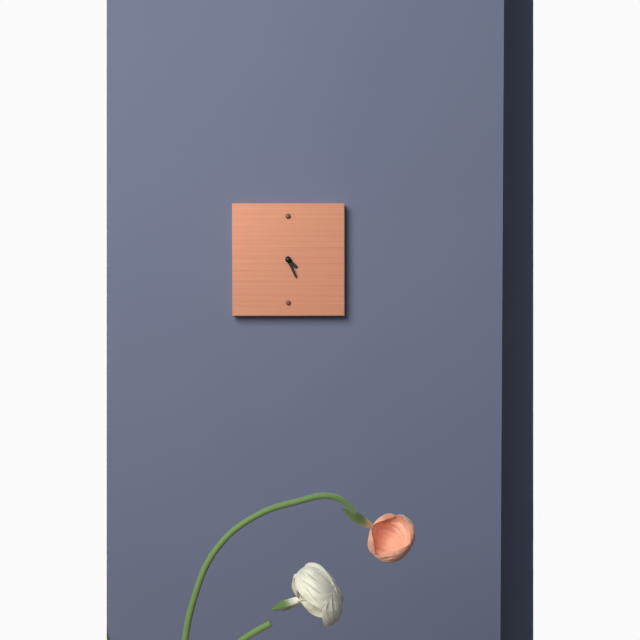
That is 4:26
